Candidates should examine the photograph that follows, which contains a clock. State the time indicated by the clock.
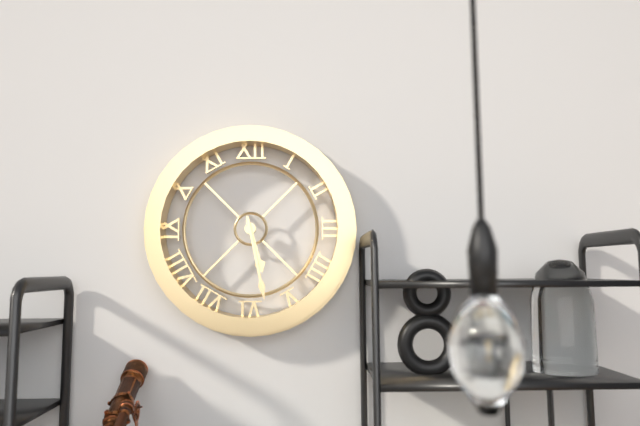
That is 5:28
